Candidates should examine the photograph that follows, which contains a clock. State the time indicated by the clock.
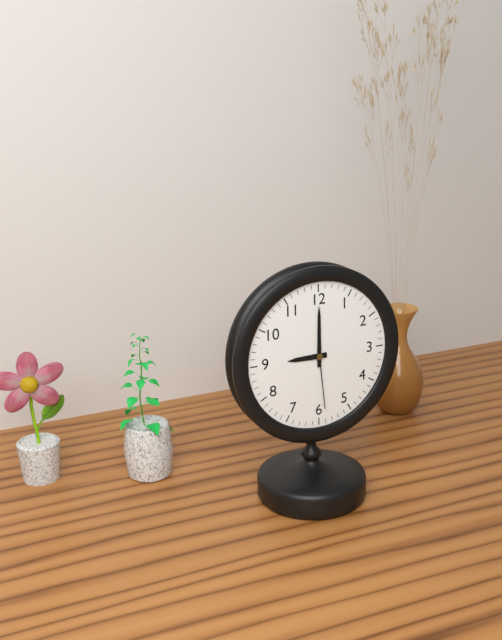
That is 9:00:29
